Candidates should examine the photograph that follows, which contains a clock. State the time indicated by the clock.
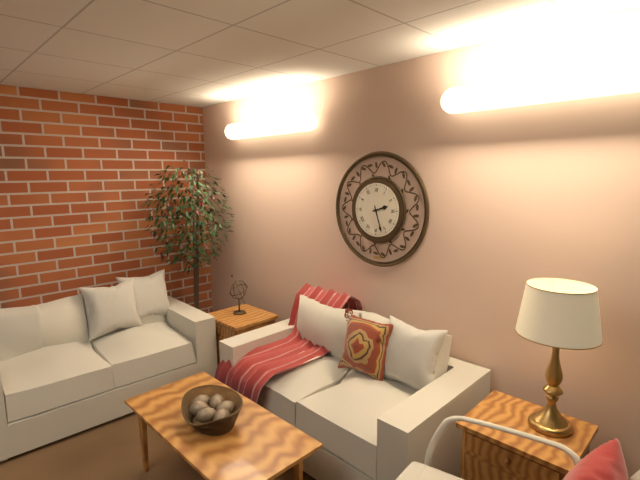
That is 2:27
